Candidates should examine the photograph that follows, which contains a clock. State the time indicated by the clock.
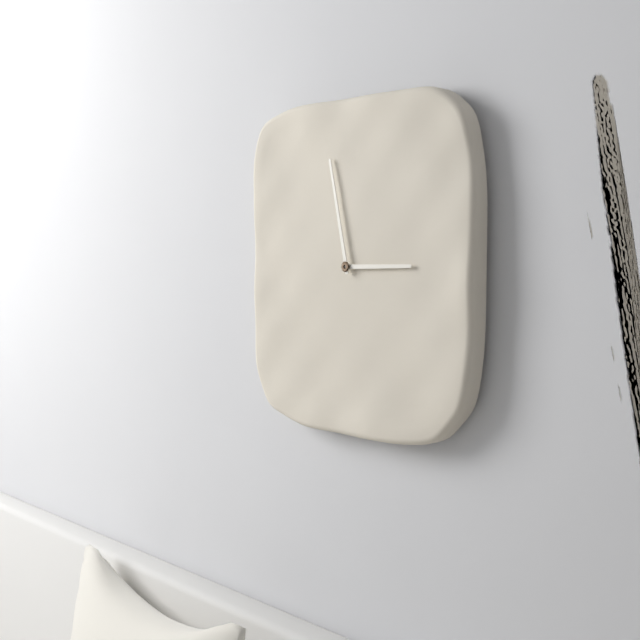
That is 2:58
